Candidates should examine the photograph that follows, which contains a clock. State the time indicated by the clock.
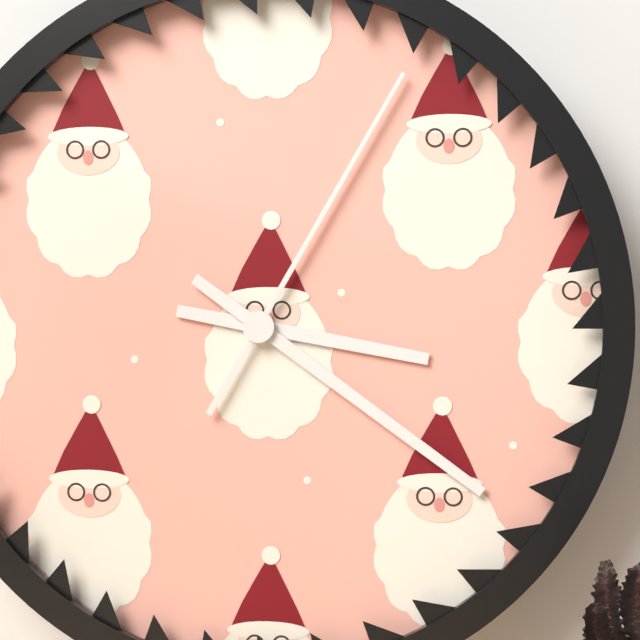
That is 3:21:05
